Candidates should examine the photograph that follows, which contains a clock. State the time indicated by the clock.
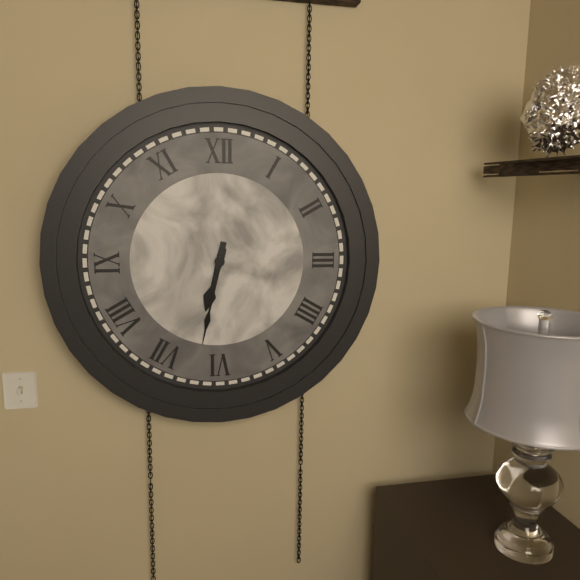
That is 6:32
